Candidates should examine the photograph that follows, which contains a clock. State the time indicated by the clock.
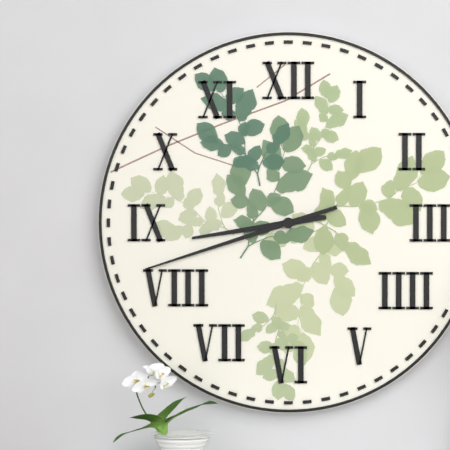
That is 8:42
